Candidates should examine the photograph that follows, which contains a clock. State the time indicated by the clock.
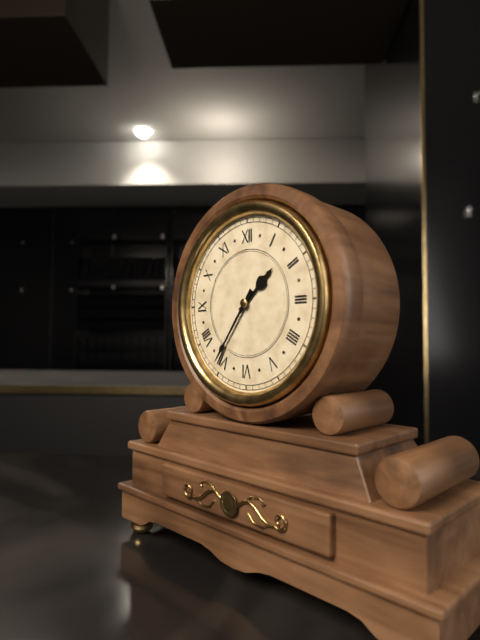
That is 1:36
